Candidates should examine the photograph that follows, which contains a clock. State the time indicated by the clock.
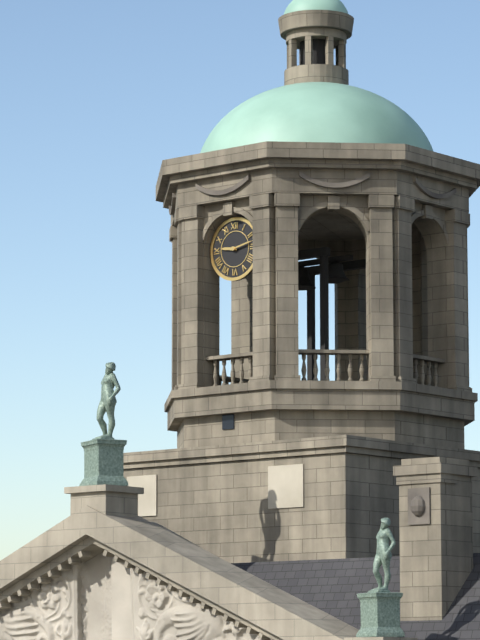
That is 9:13
